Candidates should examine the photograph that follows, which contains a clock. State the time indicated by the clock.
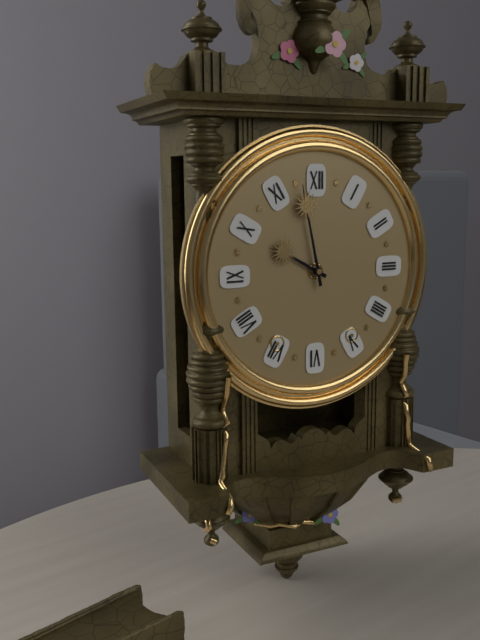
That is 9:58
